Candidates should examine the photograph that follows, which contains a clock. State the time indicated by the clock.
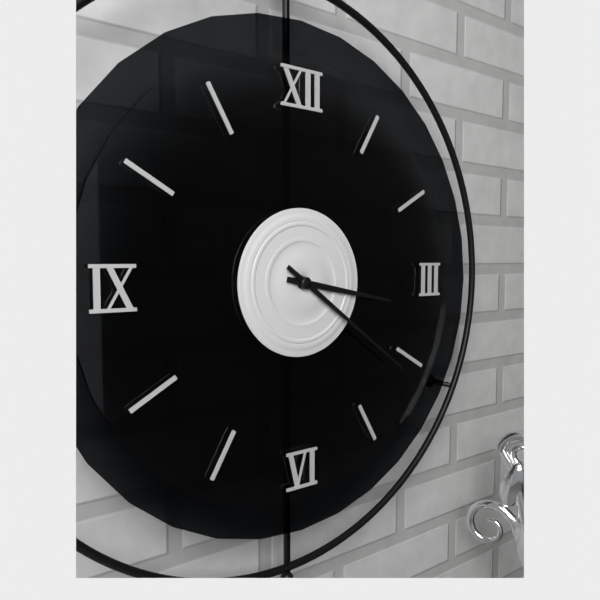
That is 3:21
